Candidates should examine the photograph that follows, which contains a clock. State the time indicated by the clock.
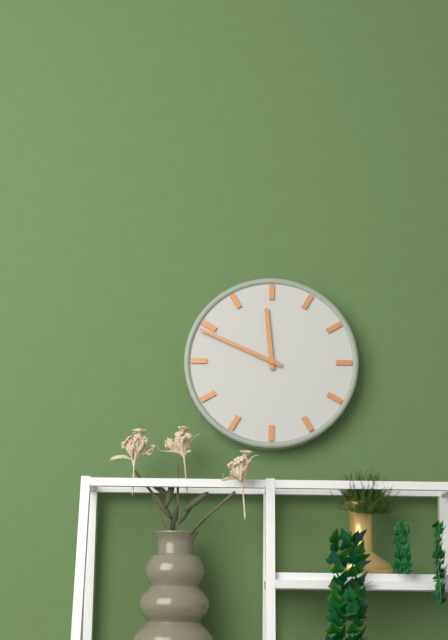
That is 11:49
